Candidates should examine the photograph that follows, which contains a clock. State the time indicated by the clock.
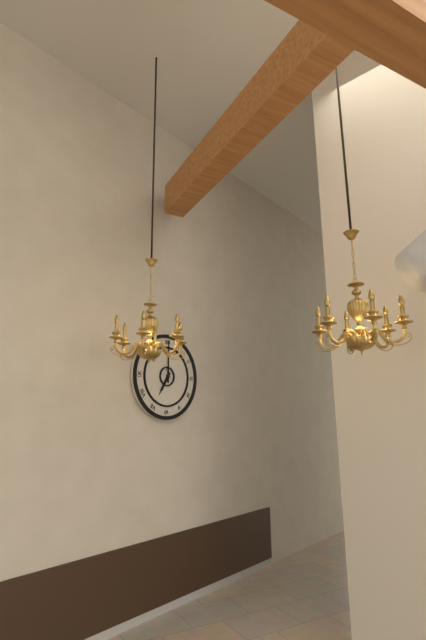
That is 7:00
